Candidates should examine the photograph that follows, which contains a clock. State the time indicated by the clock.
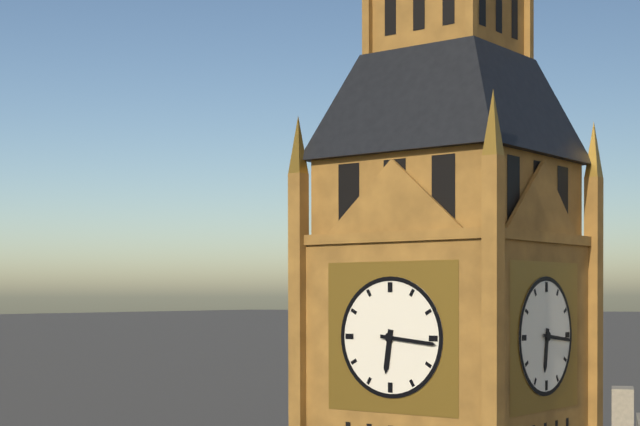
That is 6:16
